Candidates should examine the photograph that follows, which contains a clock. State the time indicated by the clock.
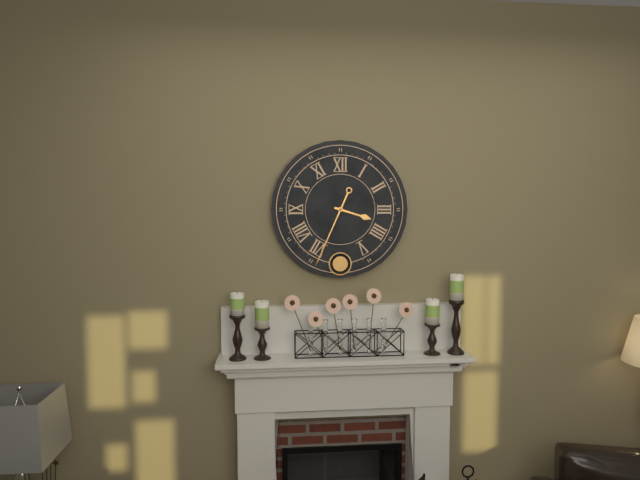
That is 3:34
